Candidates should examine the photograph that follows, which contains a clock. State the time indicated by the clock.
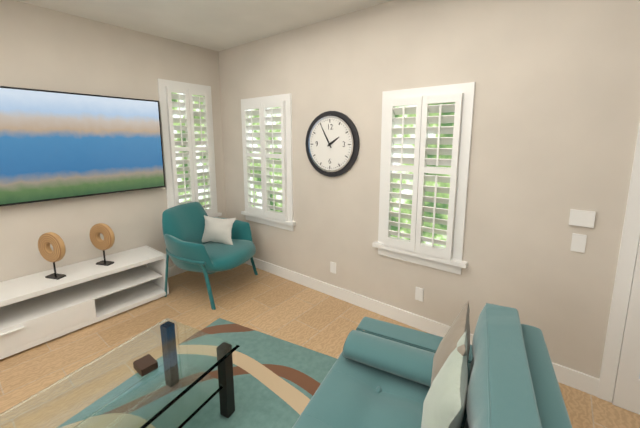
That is 1:55
